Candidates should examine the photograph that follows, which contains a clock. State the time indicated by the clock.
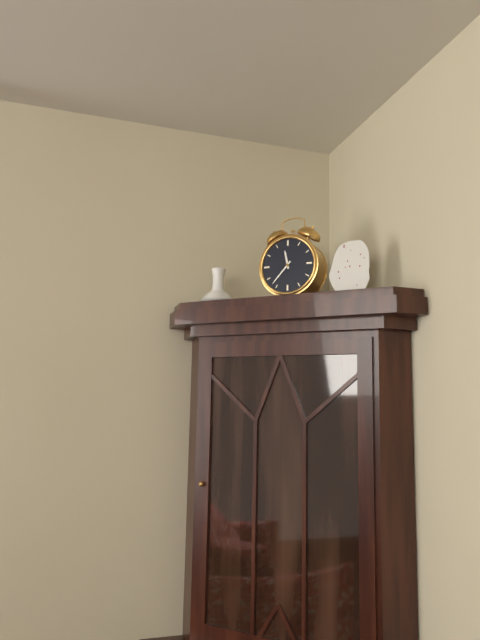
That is 11:37
